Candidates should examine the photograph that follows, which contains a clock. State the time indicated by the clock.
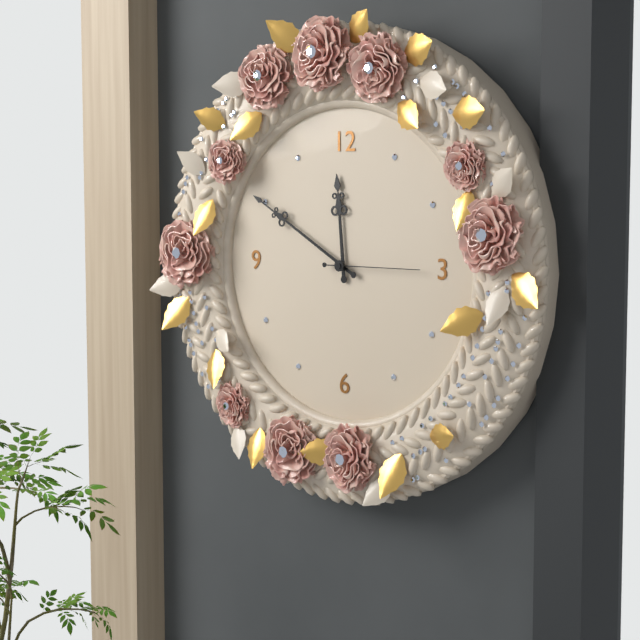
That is 11:50:15
